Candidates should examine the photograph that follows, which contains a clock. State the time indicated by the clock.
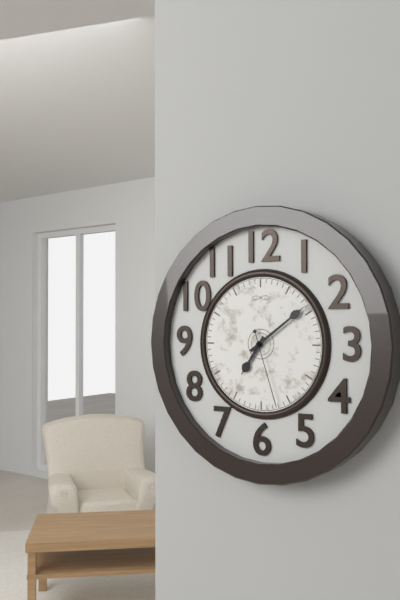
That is 7:09:27
